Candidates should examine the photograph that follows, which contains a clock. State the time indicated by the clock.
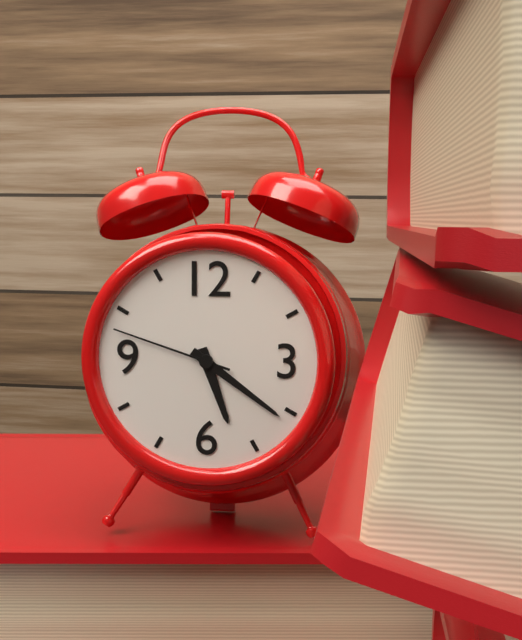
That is 5:21:48
